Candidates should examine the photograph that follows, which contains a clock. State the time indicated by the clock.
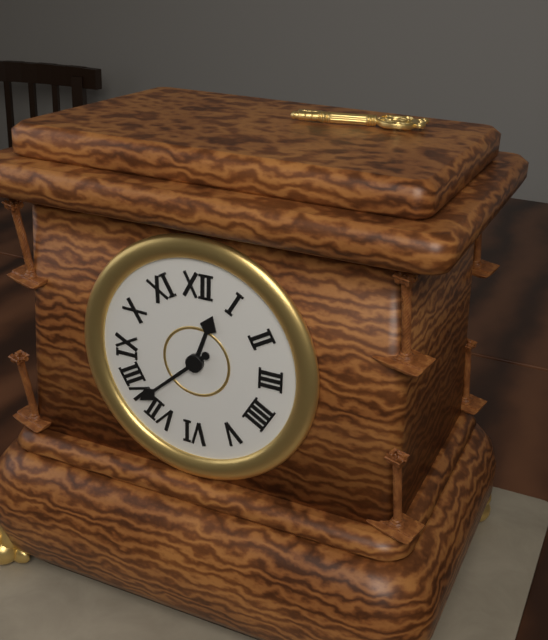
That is 12:38
